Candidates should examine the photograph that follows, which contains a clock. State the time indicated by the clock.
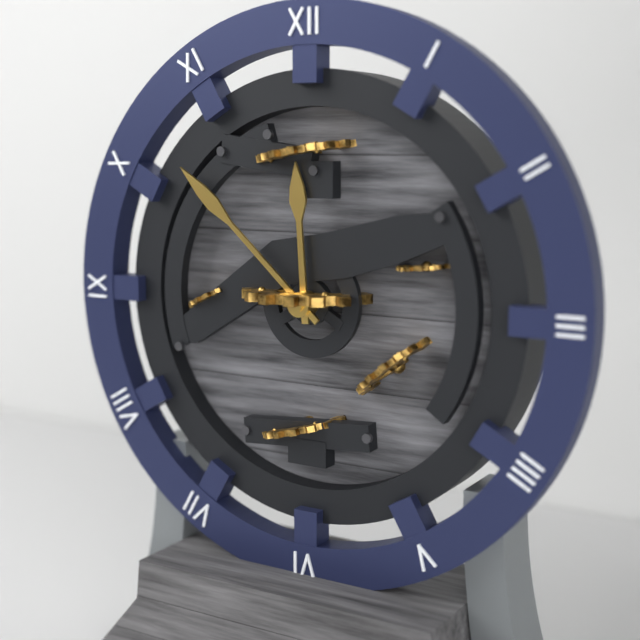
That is 11:52
